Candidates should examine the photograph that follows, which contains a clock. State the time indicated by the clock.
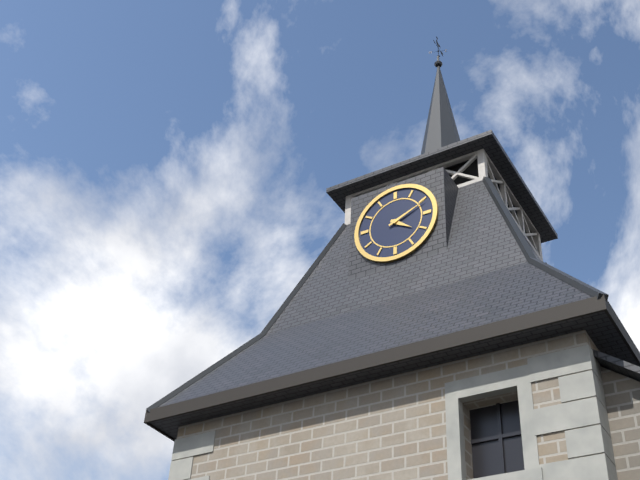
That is 4:11
